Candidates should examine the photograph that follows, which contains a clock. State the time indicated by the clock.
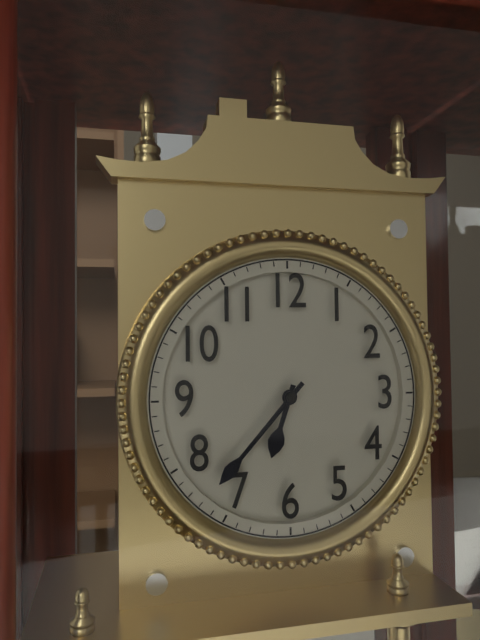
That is 6:37
